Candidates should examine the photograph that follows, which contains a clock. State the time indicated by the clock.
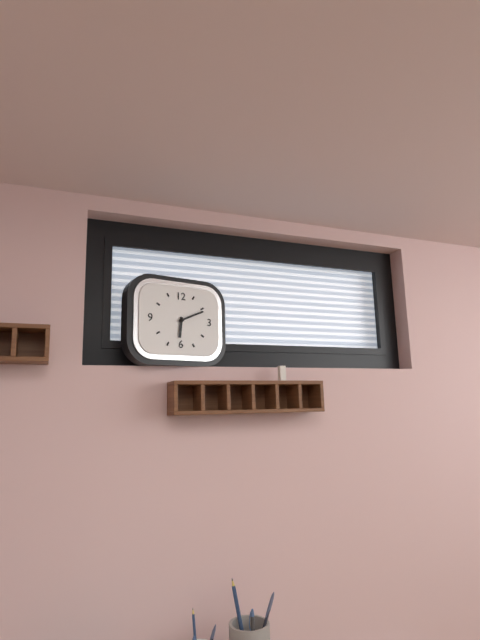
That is 6:11
